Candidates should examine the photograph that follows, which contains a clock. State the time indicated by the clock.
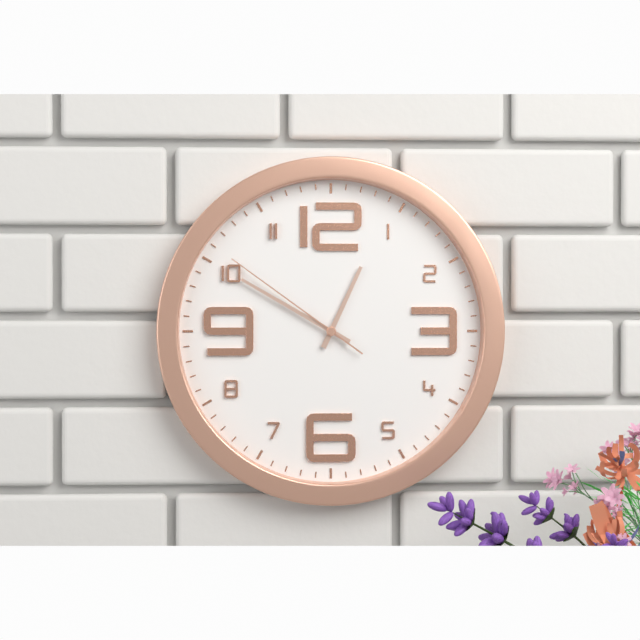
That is 12:50:51
